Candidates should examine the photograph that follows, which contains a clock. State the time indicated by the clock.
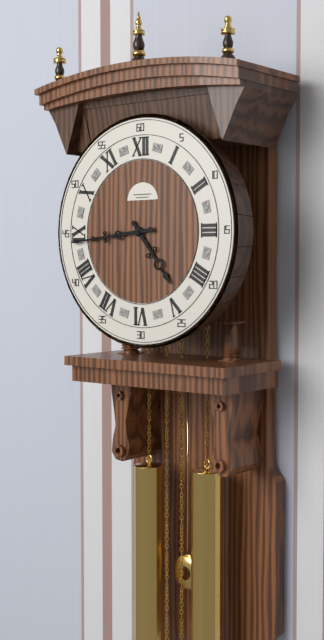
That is 4:44
